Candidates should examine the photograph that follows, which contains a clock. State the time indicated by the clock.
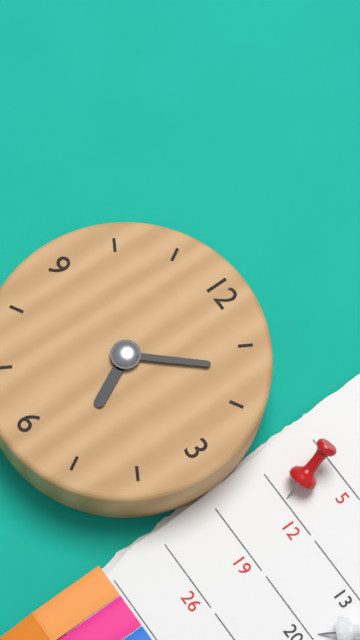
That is 5:07
